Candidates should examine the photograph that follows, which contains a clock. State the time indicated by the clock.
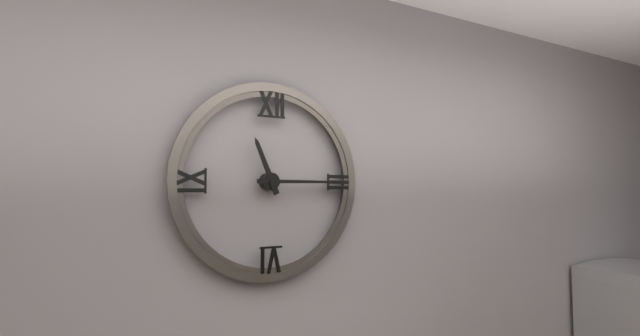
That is 11:15
